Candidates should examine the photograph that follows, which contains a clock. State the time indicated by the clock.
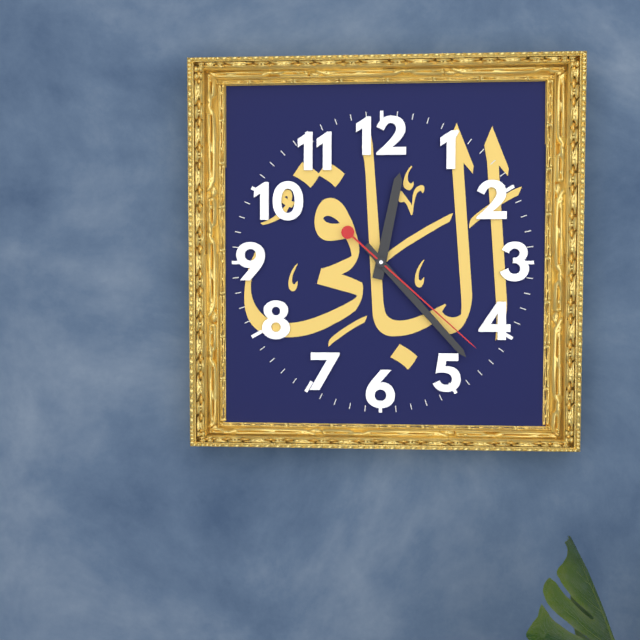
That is 12:23:22
